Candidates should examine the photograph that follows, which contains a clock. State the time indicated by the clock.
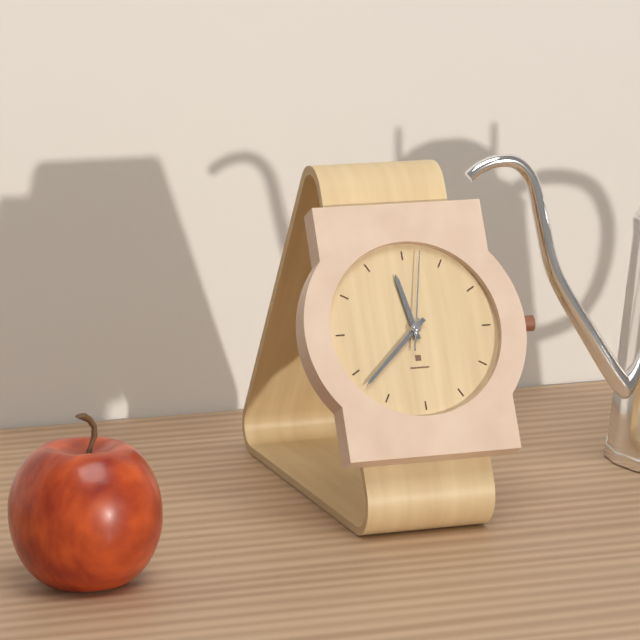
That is 11:38:02
